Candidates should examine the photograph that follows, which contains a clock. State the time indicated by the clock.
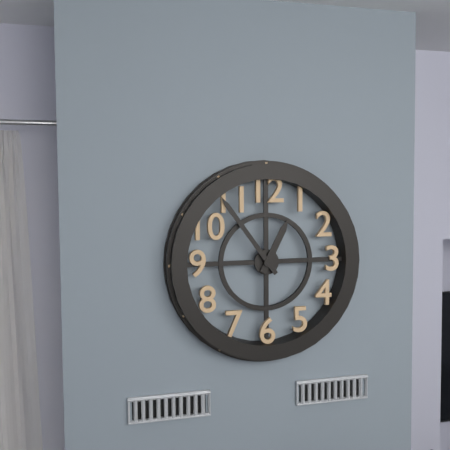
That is 12:54
